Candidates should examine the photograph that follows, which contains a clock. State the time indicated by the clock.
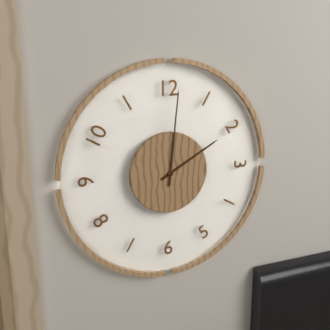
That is 2:01
